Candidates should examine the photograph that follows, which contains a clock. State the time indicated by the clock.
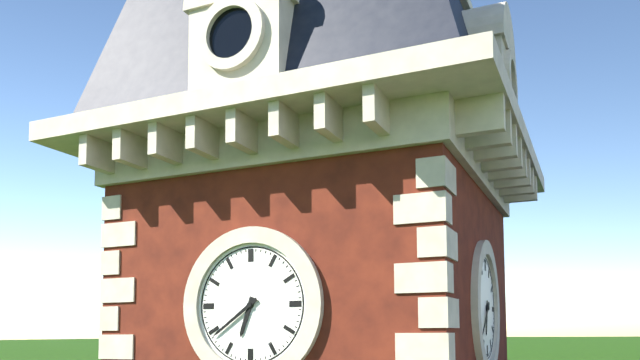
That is 6:39
